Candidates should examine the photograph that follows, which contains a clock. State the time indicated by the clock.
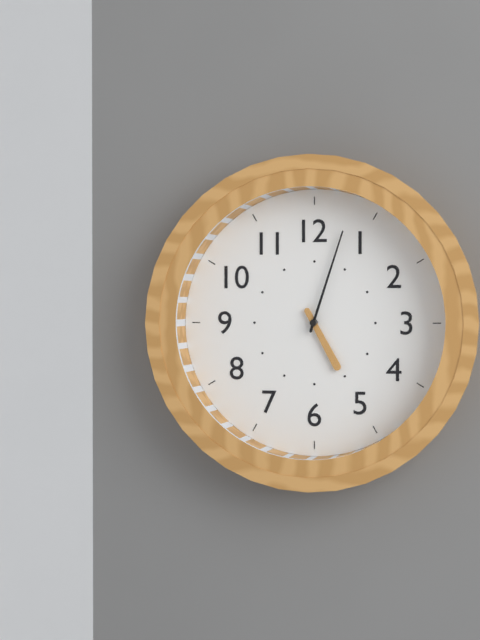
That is 5:03
